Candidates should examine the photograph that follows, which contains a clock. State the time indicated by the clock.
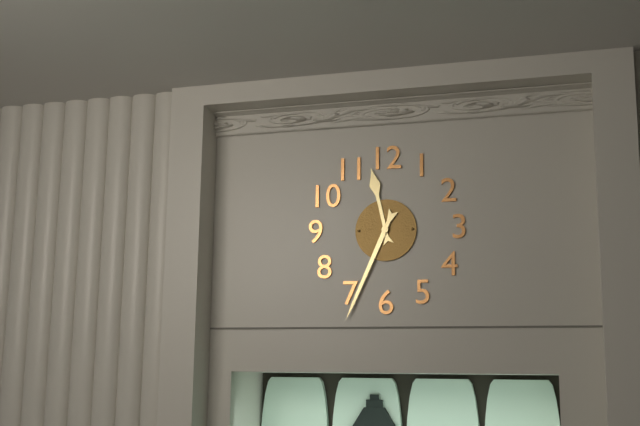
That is 11:34
